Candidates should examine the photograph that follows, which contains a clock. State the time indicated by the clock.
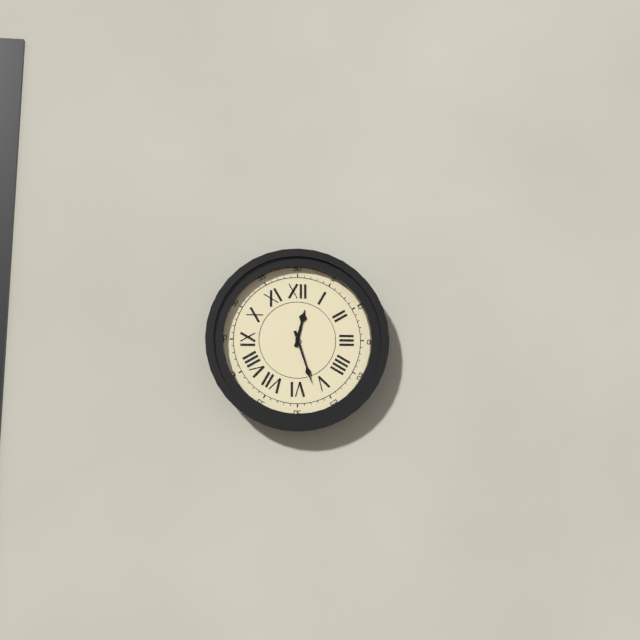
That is 12:27
